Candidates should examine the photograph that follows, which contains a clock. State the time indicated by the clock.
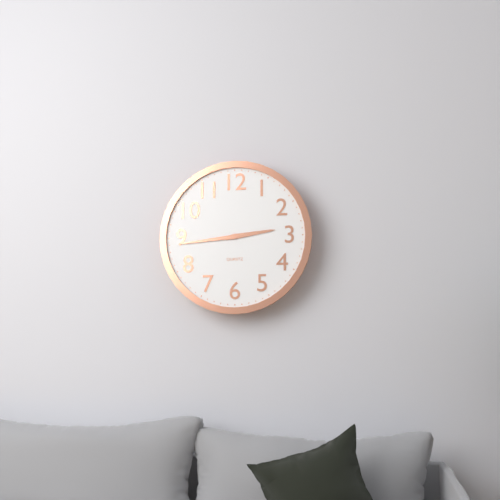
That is 2:44
